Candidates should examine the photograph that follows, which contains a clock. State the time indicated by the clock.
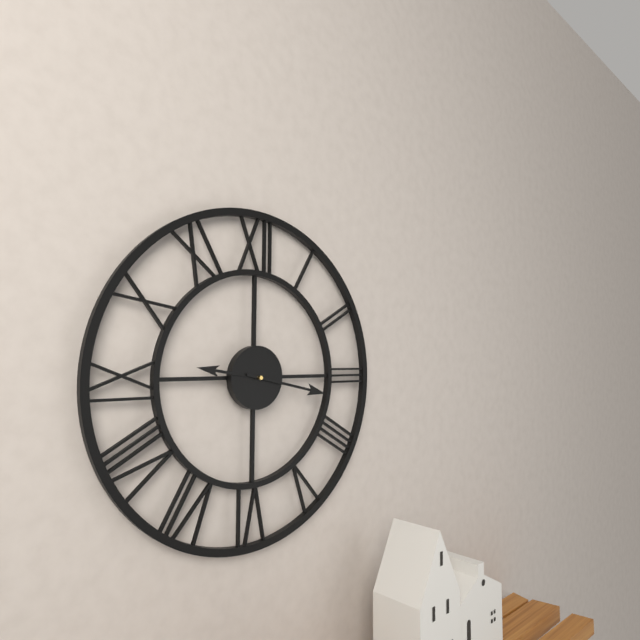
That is 9:17
